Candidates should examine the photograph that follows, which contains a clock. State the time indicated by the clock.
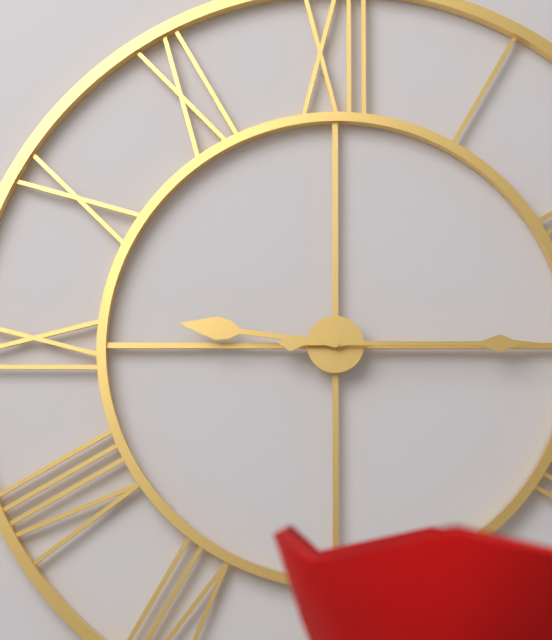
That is 9:15
